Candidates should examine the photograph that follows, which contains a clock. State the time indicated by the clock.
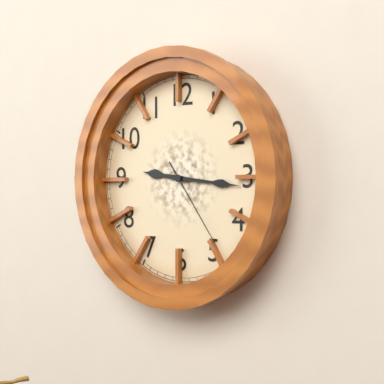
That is 9:16:24
